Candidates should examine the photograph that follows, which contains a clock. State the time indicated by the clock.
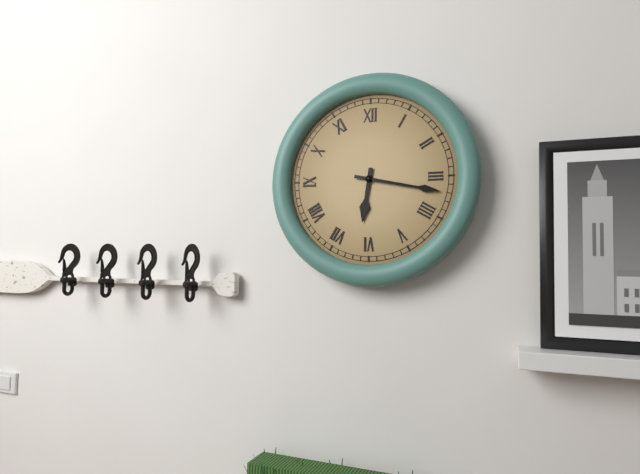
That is 6:17
